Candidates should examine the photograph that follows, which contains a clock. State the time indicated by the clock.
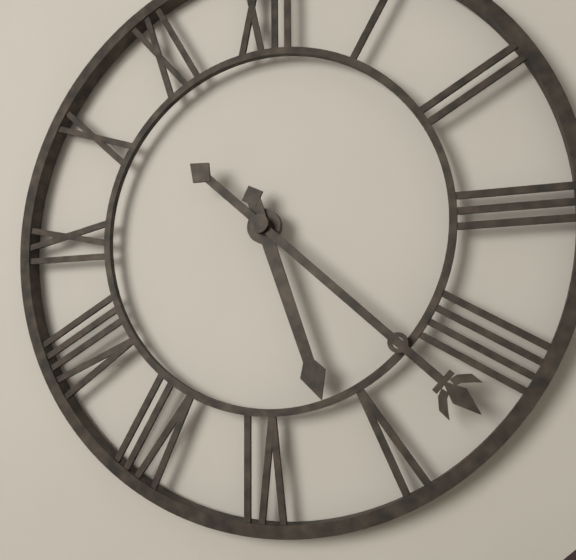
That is 5:22
